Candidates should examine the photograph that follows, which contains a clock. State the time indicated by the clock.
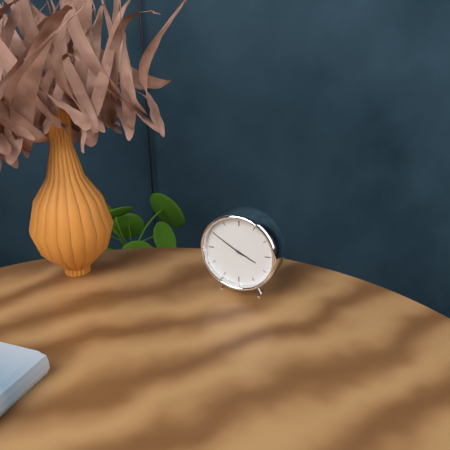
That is 3:50
